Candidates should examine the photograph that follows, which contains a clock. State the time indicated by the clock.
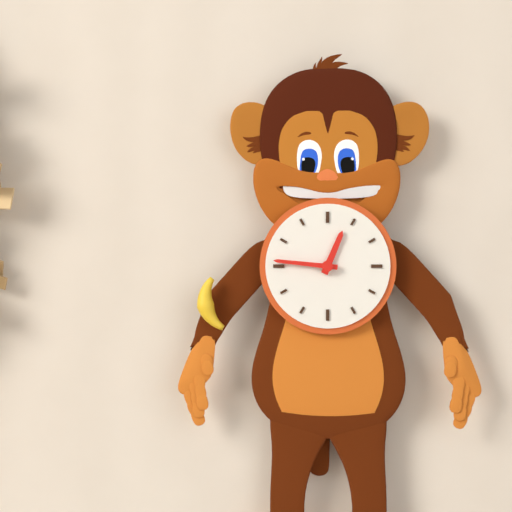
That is 12:46
